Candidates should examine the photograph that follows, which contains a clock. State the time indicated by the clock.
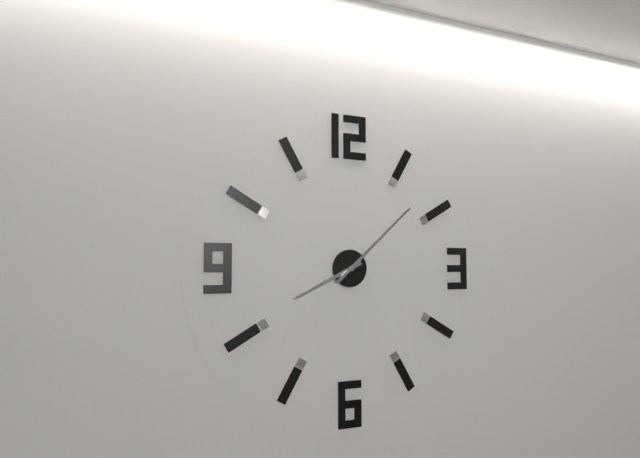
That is 8:08
